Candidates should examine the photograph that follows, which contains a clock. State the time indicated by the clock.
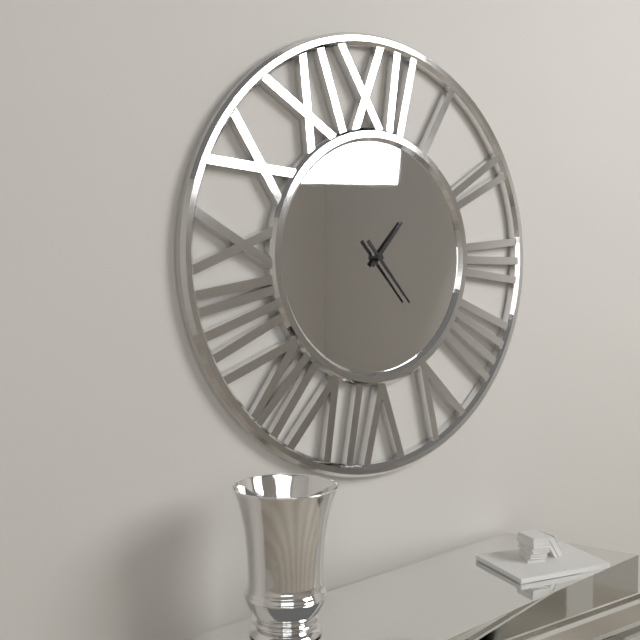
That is 1:23
